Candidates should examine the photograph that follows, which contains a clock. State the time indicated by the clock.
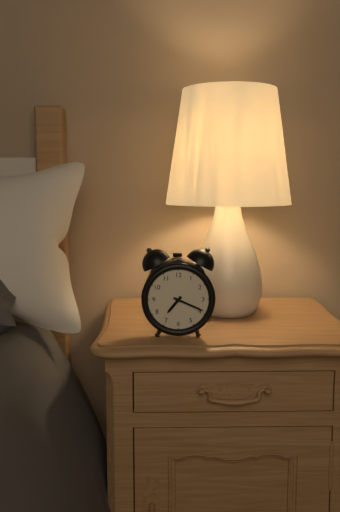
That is 7:19
